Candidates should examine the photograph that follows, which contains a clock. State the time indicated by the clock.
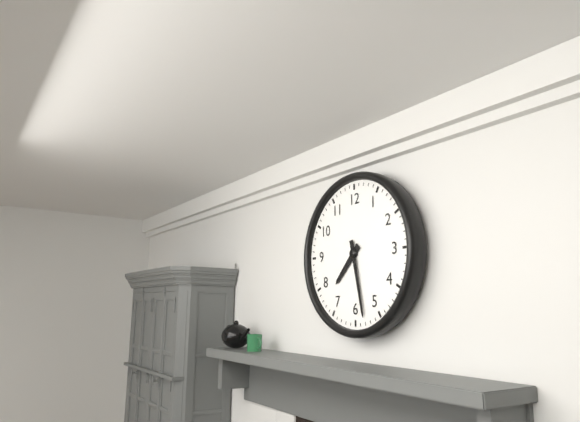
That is 7:28
